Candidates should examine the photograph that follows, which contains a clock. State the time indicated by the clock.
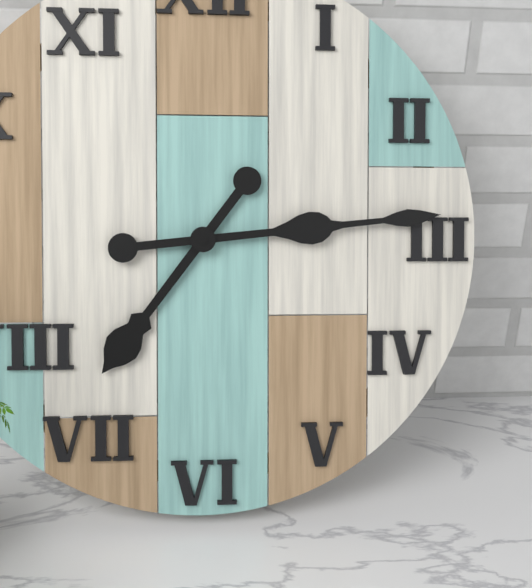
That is 7:14
